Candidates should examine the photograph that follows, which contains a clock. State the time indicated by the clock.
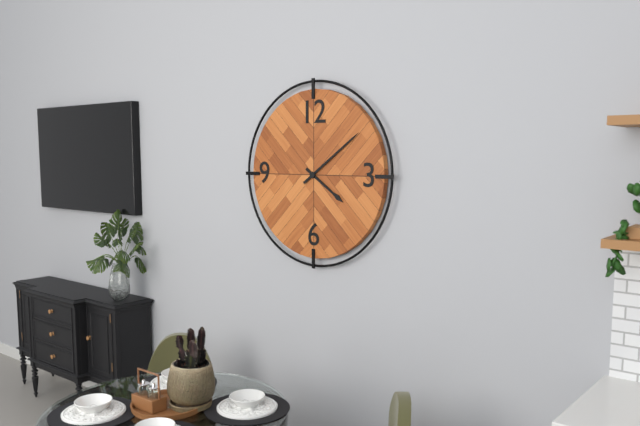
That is 4:09
